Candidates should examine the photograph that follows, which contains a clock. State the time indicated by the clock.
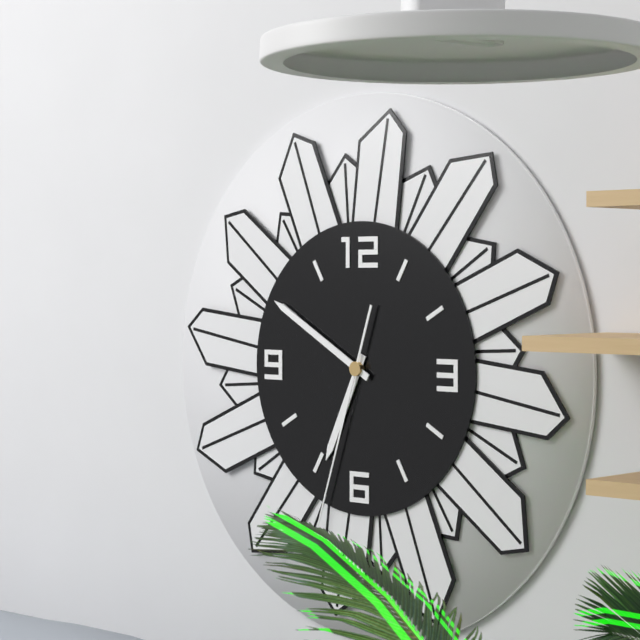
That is 6:50:33
